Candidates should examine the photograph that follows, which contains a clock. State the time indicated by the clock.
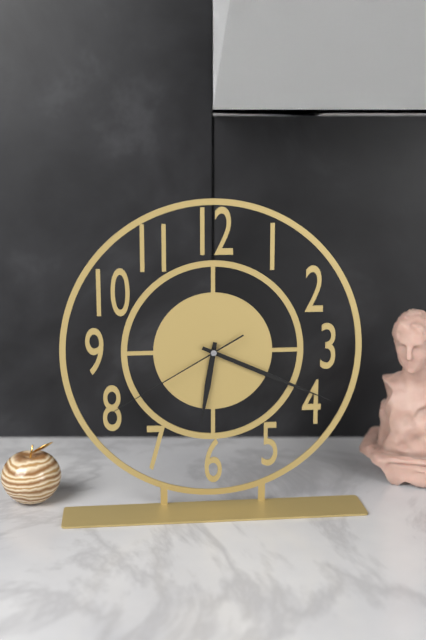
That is 6:19:40
